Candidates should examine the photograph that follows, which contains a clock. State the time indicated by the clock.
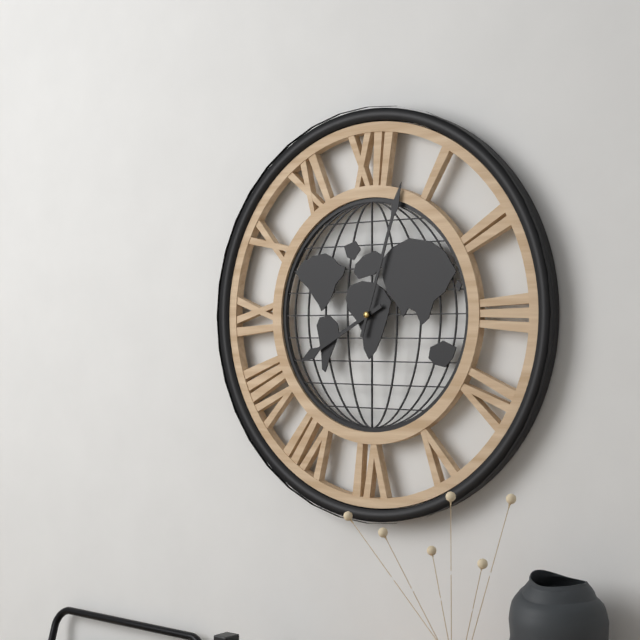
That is 8:03
